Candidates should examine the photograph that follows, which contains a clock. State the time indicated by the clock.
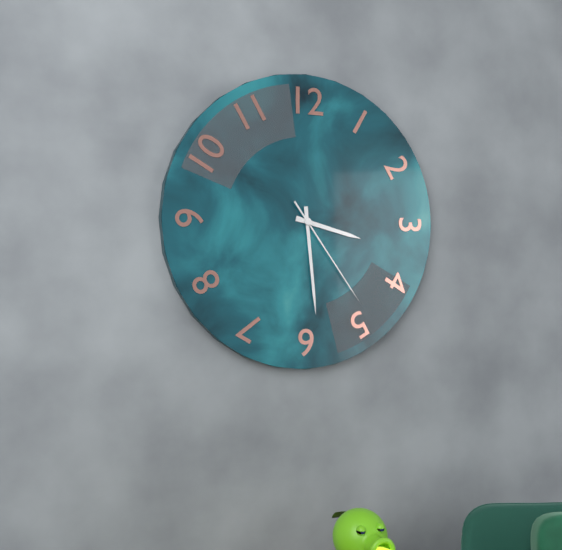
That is 3:29:24
